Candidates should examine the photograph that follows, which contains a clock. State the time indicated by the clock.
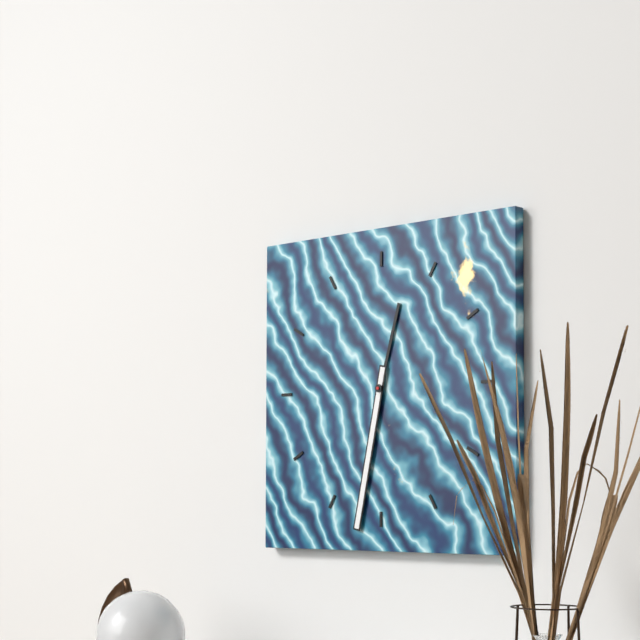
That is 12:32
